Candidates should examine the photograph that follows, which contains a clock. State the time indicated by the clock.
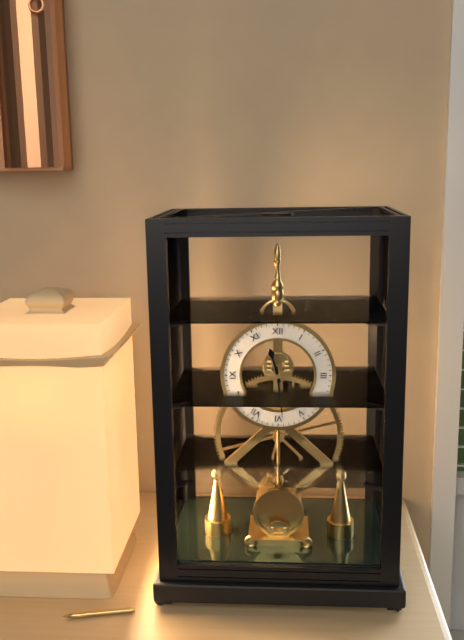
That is 11:29
